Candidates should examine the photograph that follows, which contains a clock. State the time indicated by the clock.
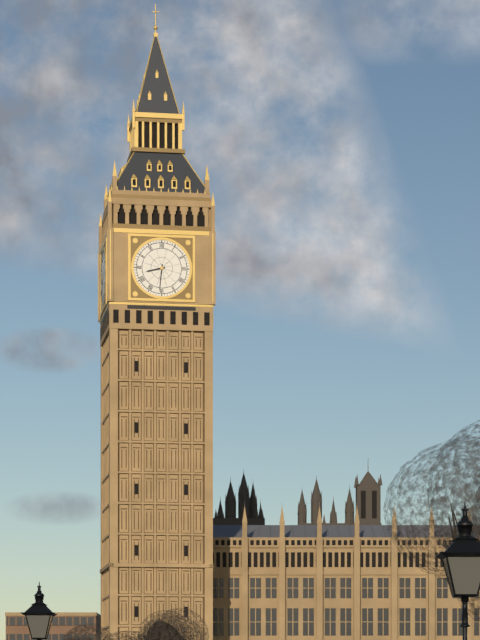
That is 8:31
